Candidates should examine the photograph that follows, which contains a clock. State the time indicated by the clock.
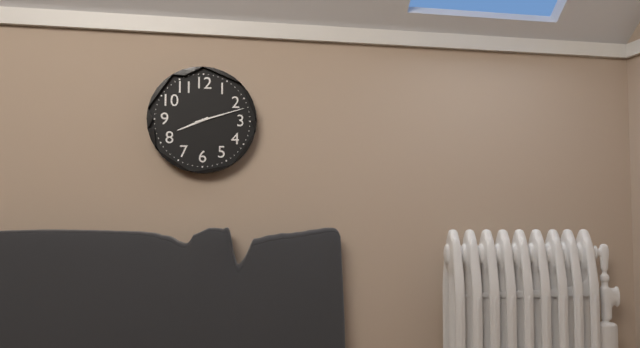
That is 8:12
